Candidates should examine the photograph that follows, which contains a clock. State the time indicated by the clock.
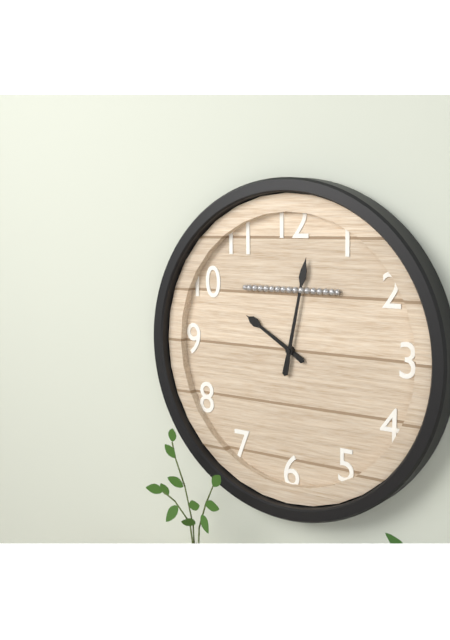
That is 10:02
